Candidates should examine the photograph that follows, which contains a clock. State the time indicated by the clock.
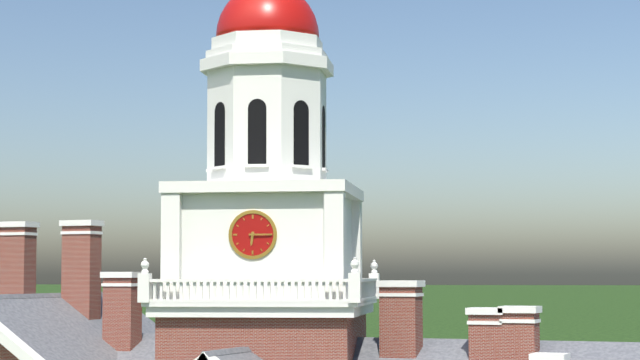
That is 6:15
